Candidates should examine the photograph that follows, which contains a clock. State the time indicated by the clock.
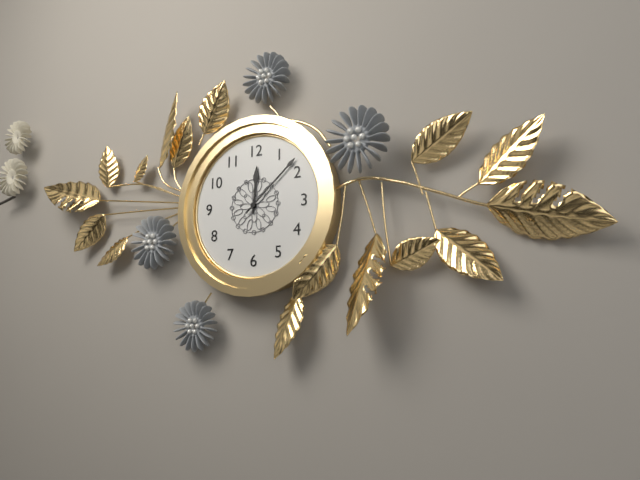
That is 12:08
